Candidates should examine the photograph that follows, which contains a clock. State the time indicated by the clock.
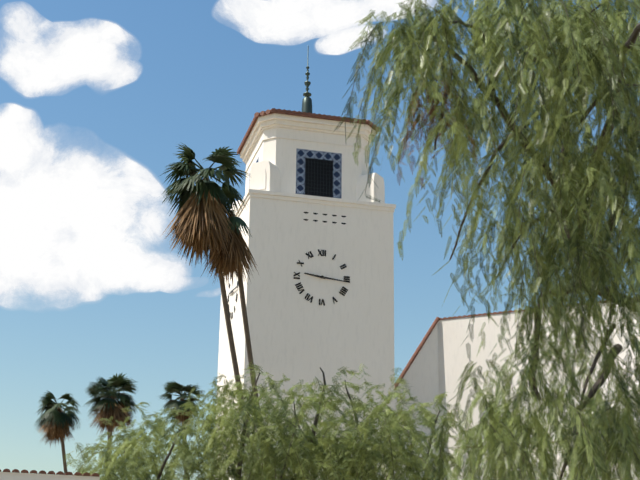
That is 9:16
